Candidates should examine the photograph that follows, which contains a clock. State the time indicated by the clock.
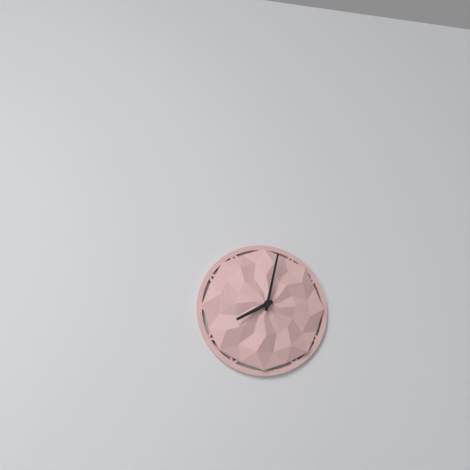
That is 8:02
